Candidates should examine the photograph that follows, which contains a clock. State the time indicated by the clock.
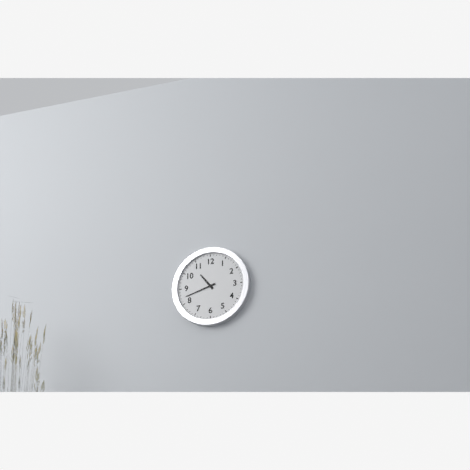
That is 10:42
